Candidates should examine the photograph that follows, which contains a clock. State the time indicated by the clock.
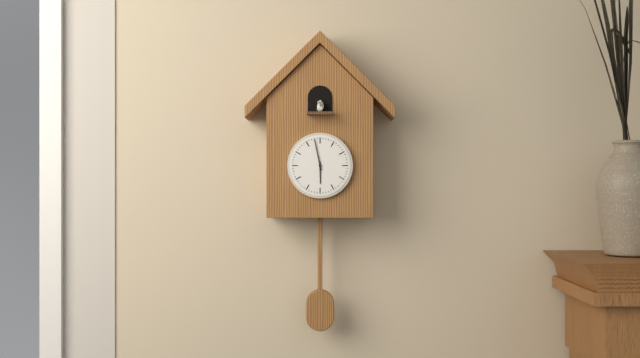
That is 5:58
